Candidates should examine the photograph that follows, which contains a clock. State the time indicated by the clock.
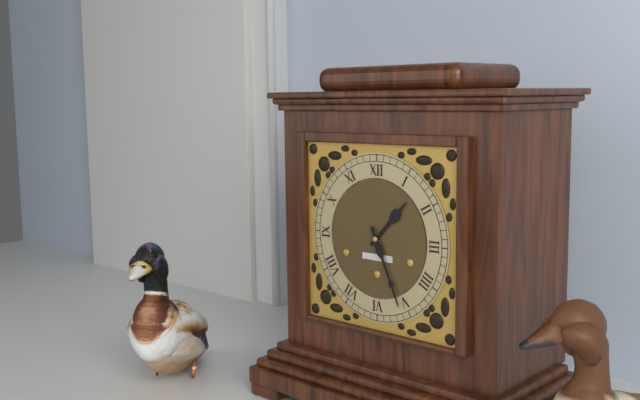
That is 1:26
